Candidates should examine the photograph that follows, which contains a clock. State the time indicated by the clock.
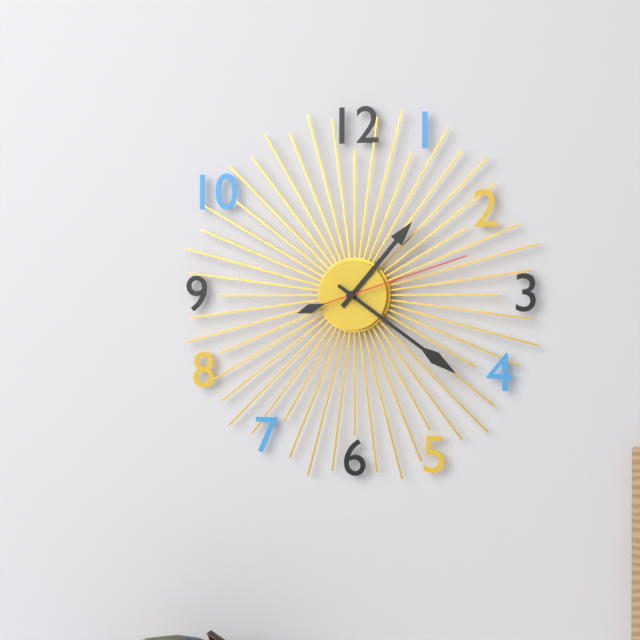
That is 1:21:12
